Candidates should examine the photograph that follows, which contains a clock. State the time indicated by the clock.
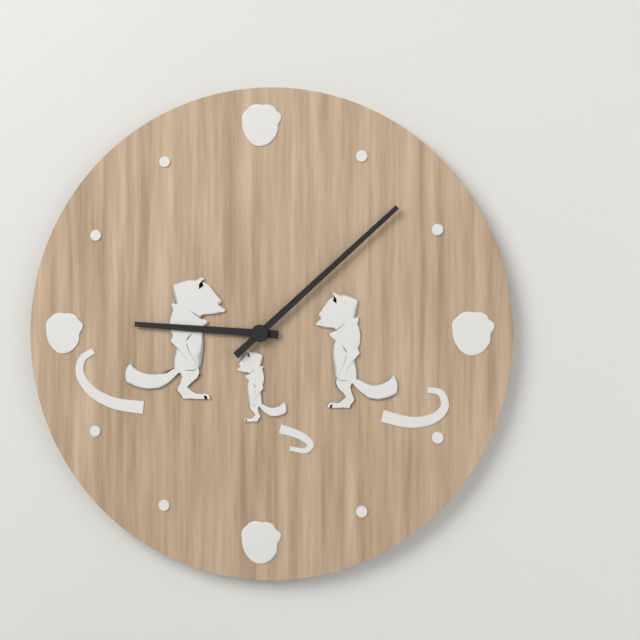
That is 9:08
